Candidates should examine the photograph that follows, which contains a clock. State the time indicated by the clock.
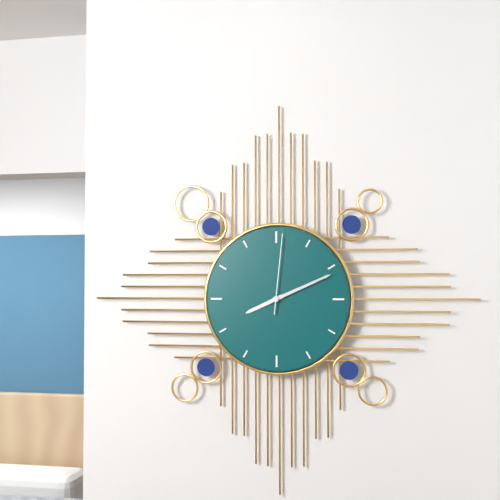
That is 8:11:01
